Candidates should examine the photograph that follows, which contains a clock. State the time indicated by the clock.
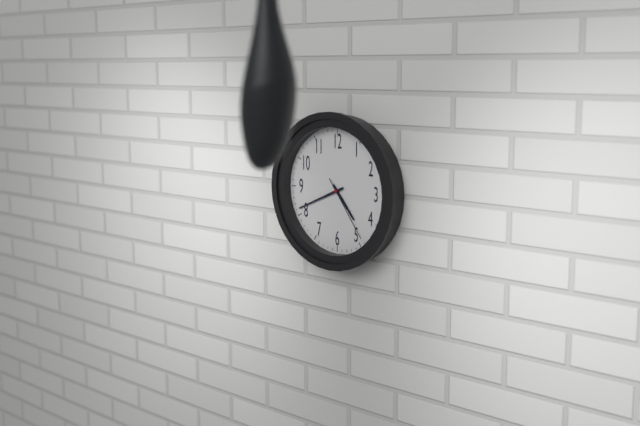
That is 4:41:24
